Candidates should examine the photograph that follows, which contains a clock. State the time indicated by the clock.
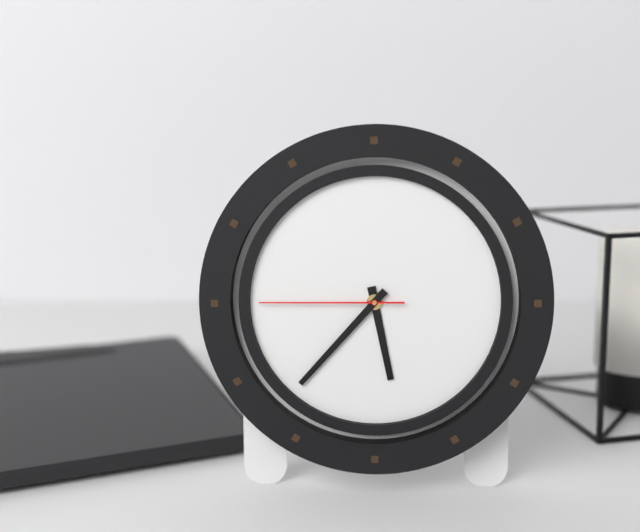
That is 5:37:45
